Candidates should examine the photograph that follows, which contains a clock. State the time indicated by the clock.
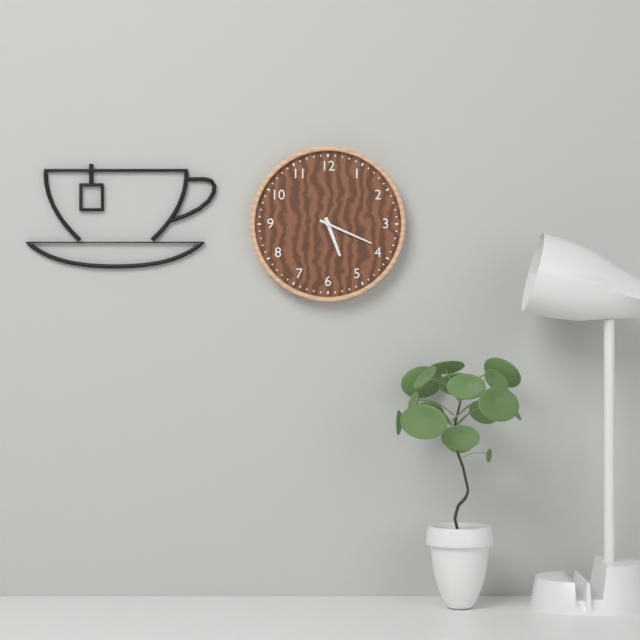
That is 5:19
